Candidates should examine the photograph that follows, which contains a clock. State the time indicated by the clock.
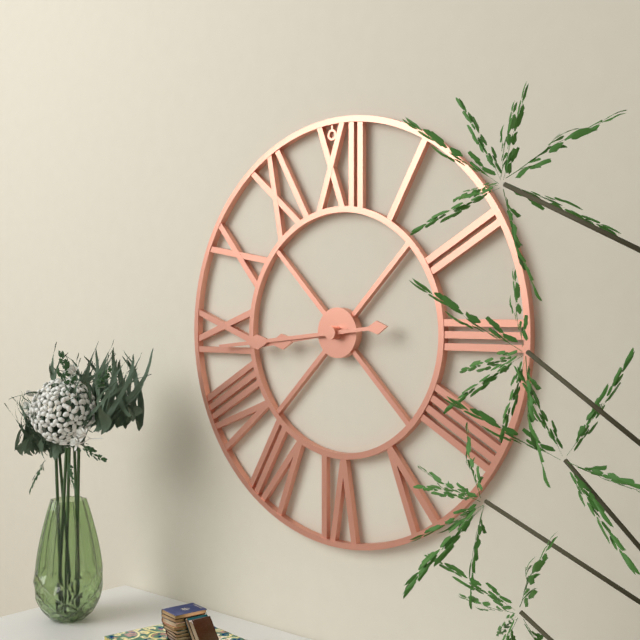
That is 8:44
